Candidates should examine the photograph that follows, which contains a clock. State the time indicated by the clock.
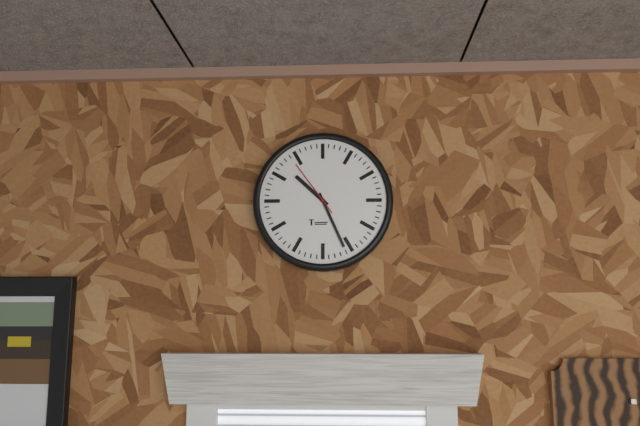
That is 10:26:54
